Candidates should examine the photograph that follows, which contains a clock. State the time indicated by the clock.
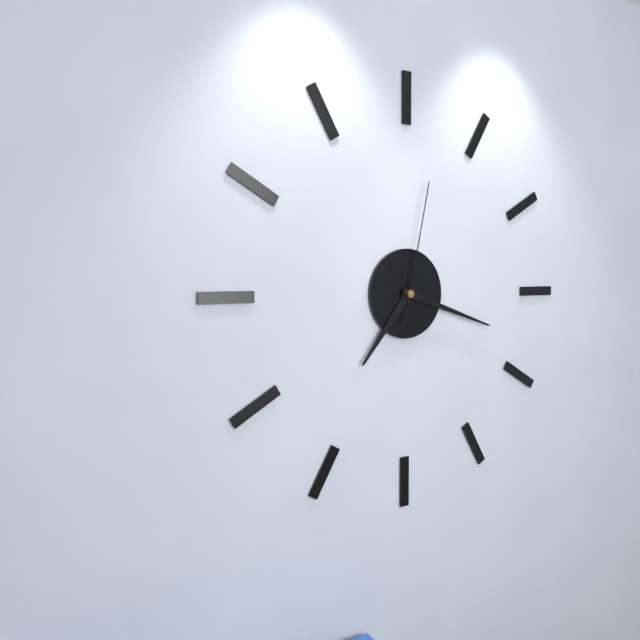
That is 7:18:02
